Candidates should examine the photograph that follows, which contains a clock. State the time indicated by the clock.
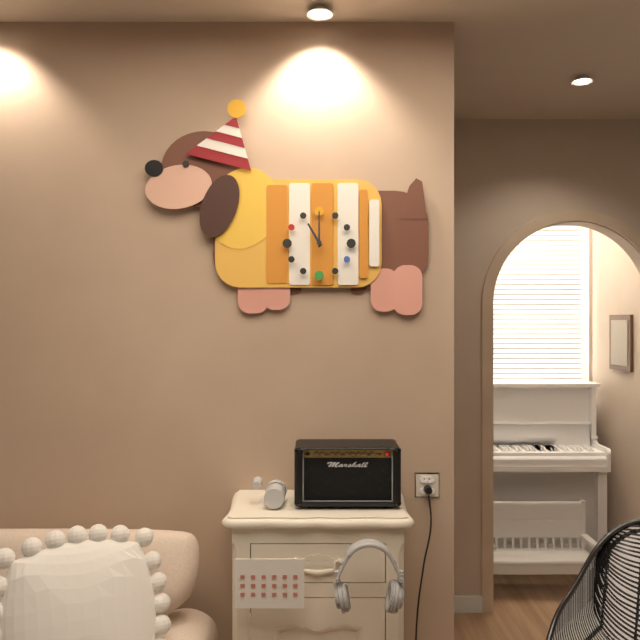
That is 11:00
